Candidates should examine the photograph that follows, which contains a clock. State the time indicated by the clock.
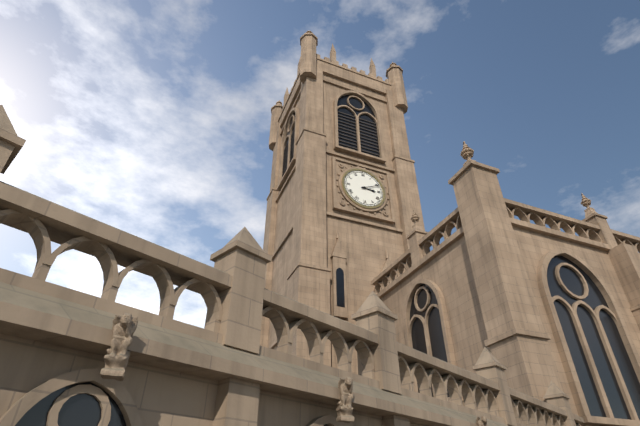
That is 3:11
